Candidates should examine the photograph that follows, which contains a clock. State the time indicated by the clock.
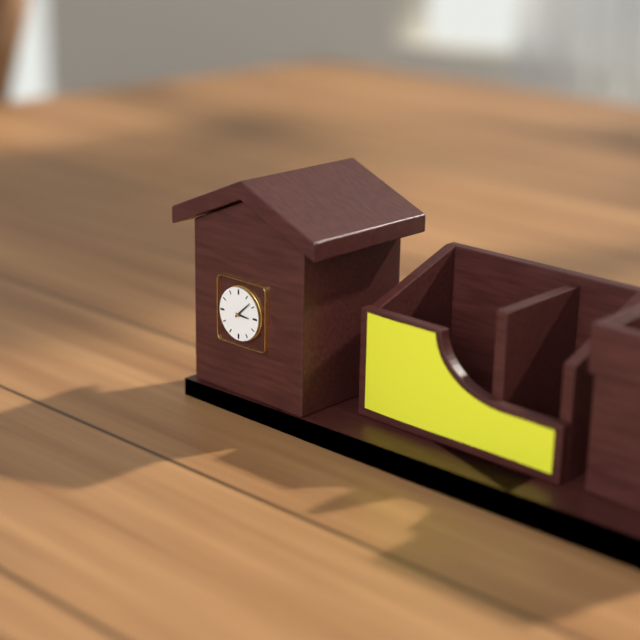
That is 3:08
